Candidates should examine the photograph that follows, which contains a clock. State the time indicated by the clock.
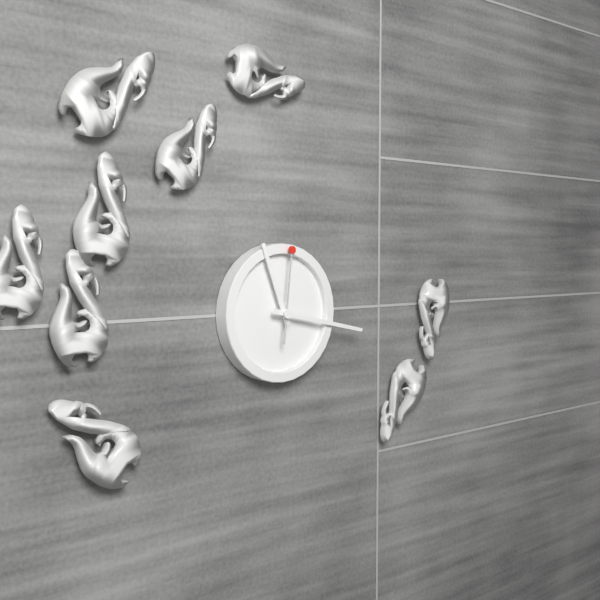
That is 11:17:01
